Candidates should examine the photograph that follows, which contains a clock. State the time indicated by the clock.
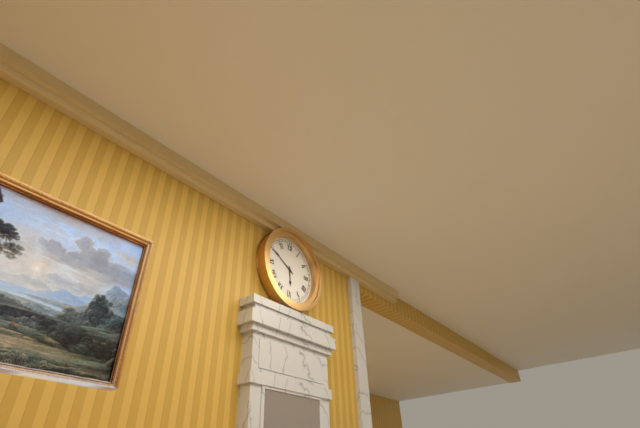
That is 5:50
